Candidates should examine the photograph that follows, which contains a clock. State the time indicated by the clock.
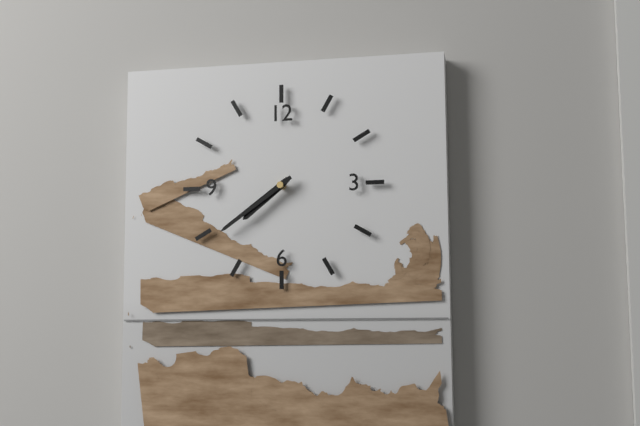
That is 7:39
